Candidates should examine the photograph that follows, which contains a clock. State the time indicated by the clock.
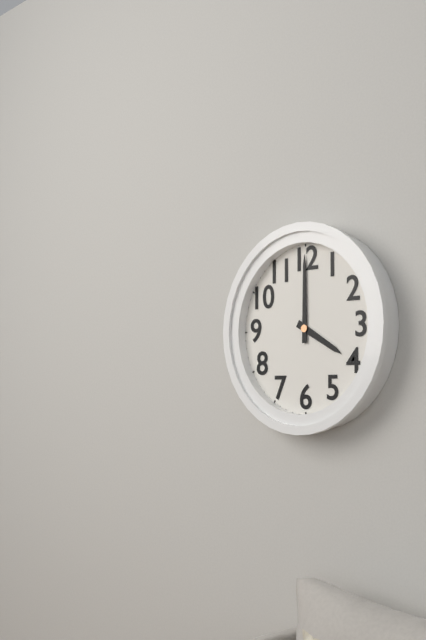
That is 4:00
